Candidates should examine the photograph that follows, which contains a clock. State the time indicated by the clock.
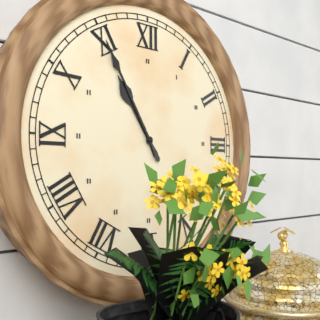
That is 10:55
